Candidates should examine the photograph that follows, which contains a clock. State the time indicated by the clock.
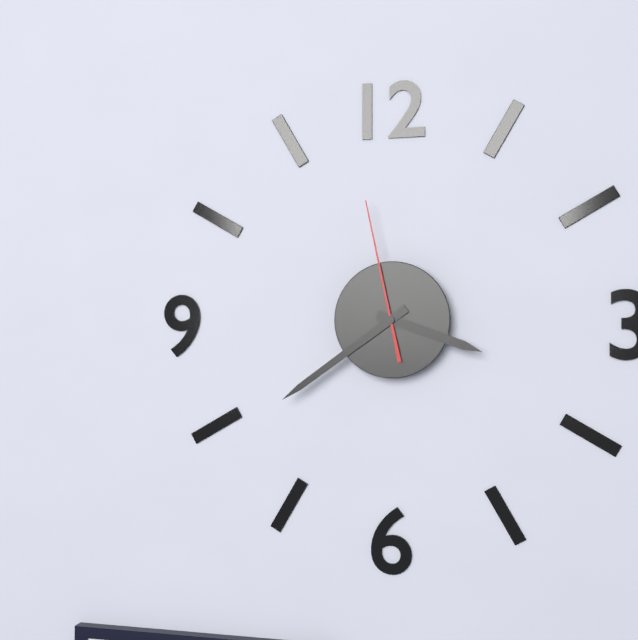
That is 3:39:58
